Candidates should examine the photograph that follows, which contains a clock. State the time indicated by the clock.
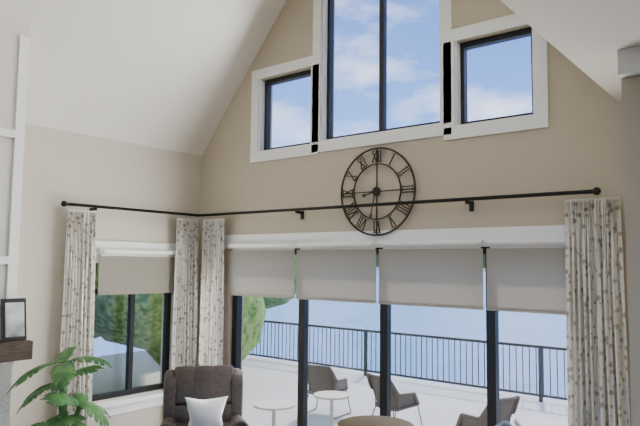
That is 8:32
